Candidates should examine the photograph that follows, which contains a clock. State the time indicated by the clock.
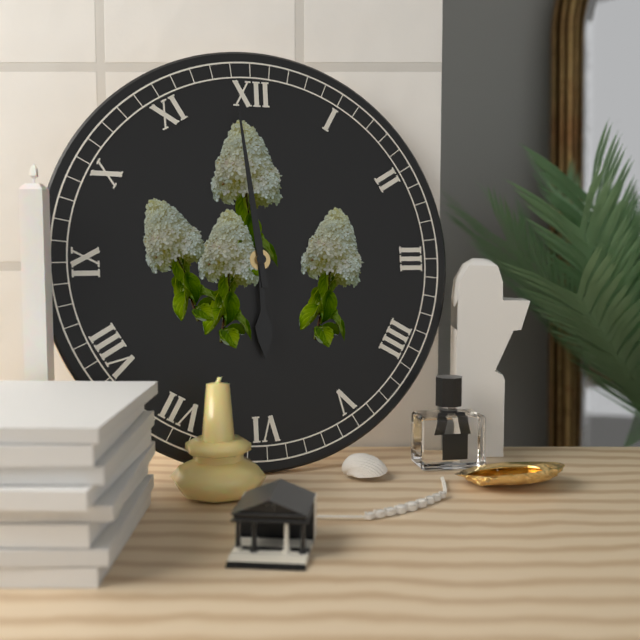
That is 5:59
